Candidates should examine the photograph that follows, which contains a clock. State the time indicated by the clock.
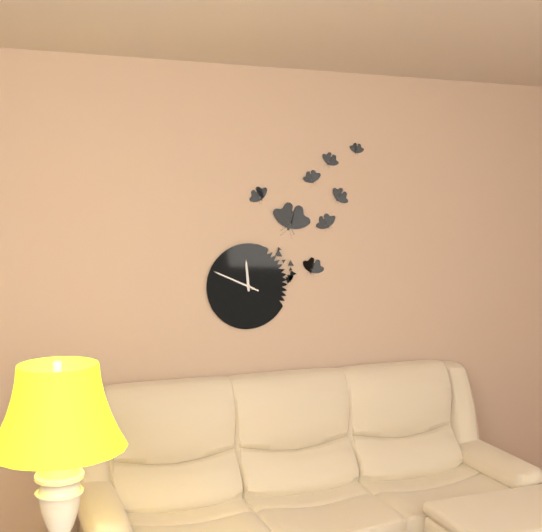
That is 11:49
